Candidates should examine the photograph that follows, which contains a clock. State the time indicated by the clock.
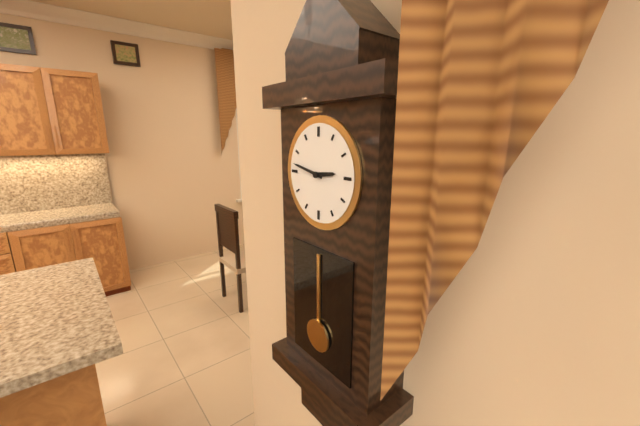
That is 2:47
